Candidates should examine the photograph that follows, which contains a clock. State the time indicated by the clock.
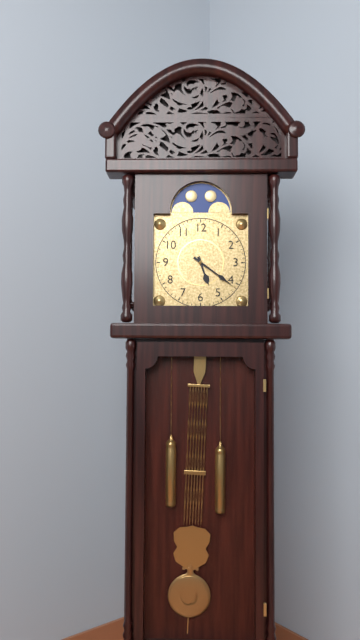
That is 5:21
